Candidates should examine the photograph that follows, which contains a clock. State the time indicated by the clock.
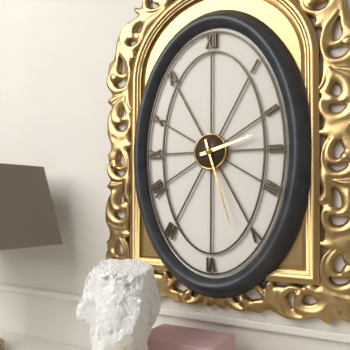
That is 2:27
